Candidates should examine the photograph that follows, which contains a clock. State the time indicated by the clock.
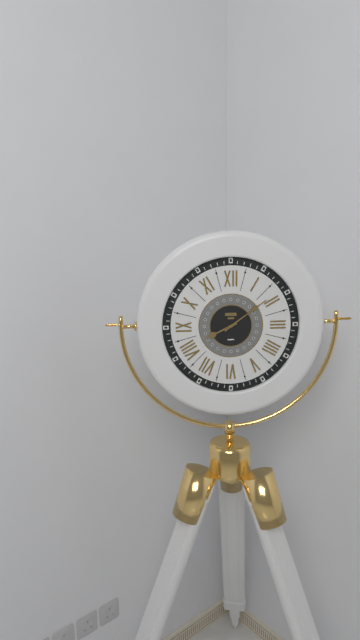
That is 8:09
